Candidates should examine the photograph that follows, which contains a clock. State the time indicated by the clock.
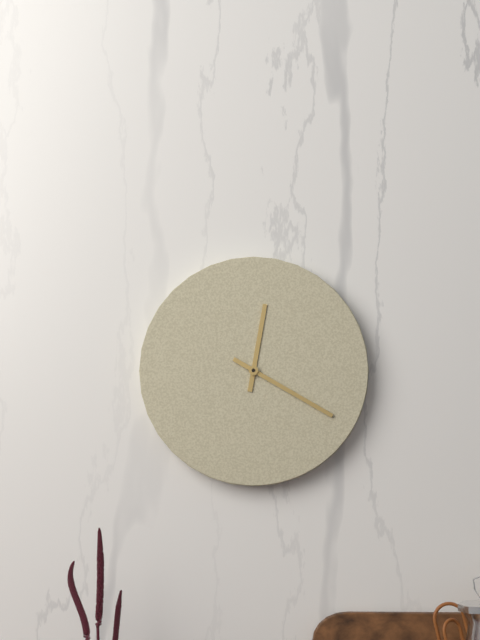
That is 12:20
